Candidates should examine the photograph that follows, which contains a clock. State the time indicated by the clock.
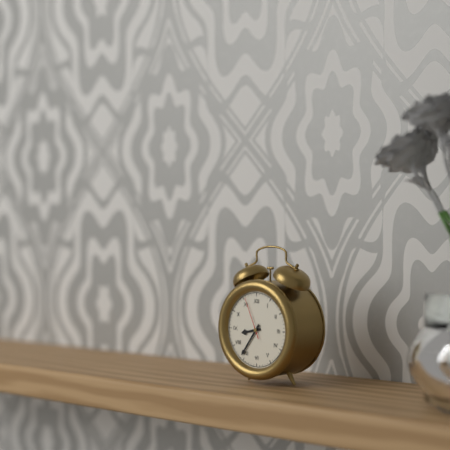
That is 8:36
